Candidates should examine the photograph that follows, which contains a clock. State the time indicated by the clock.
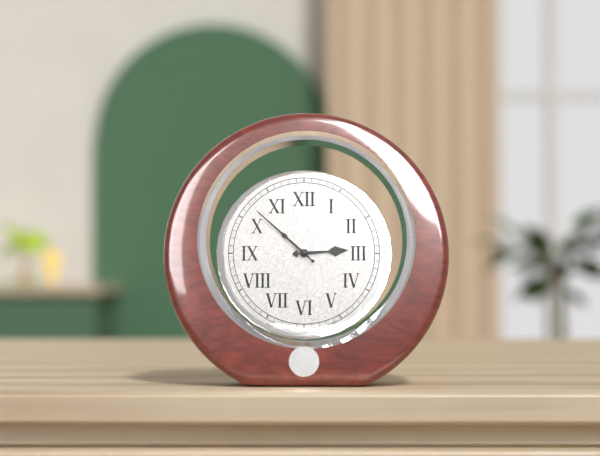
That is 2:52
